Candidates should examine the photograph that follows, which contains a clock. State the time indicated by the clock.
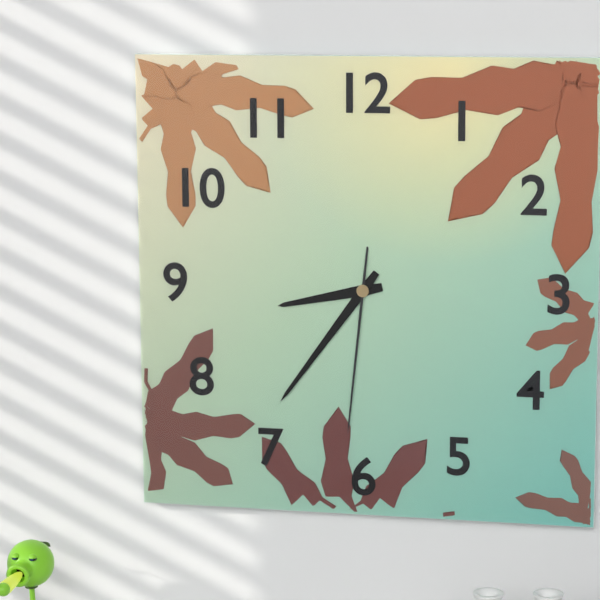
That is 8:36:31
